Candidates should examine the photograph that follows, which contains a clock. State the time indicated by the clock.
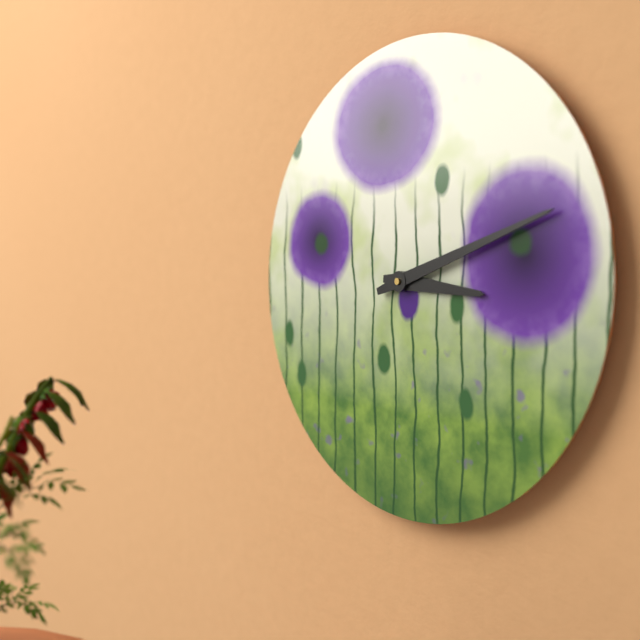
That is 3:12
